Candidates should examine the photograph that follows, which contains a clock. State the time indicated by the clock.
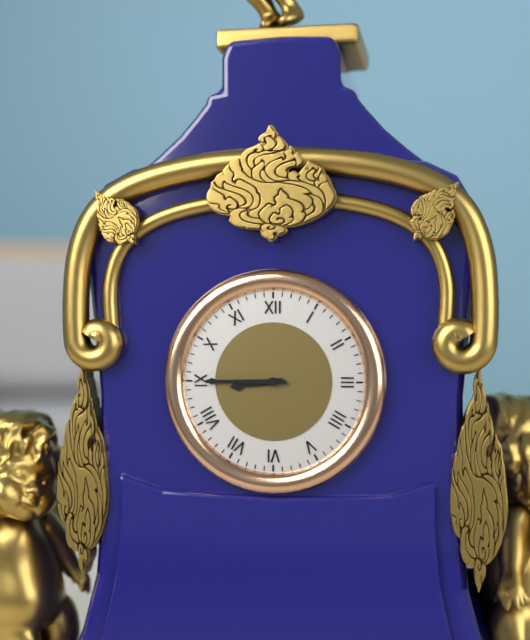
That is 8:45
